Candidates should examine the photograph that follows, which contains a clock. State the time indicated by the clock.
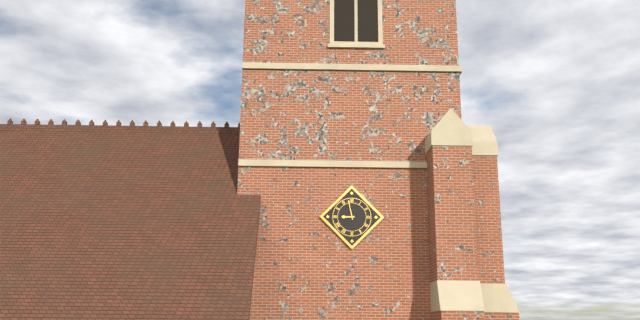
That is 8:58
